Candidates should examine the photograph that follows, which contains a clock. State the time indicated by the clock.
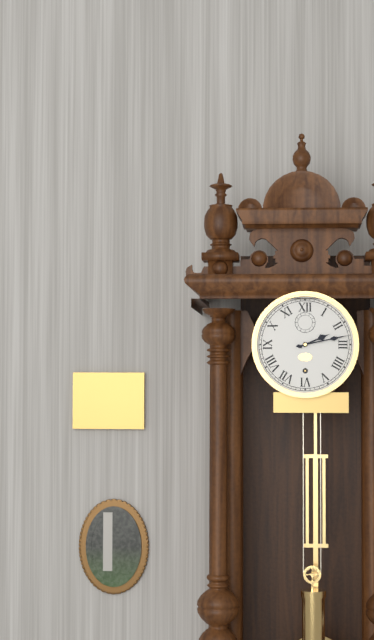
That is 2:13
